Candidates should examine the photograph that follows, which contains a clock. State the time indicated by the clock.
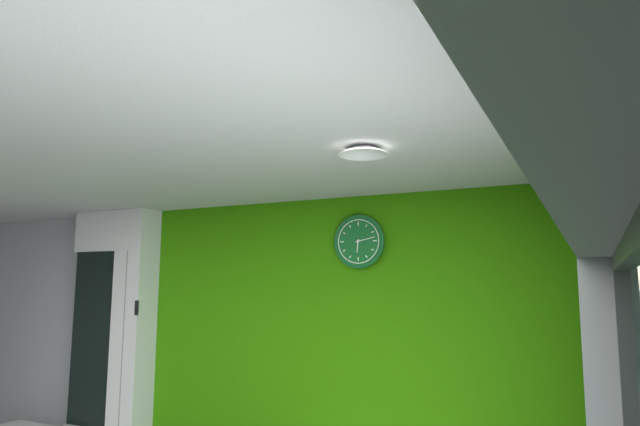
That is 6:13
